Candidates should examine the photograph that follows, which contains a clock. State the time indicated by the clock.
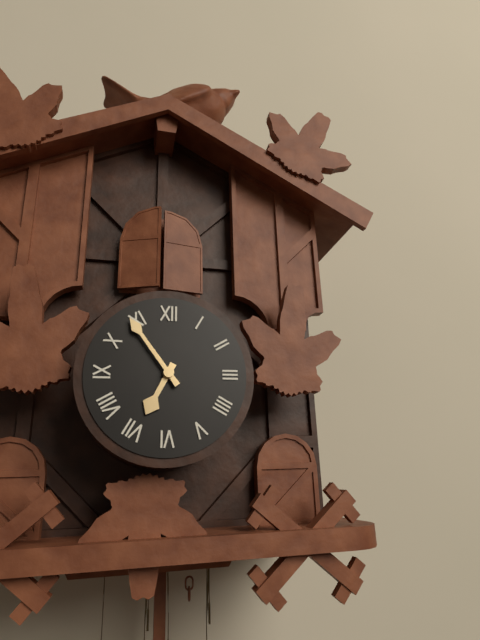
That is 6:54
